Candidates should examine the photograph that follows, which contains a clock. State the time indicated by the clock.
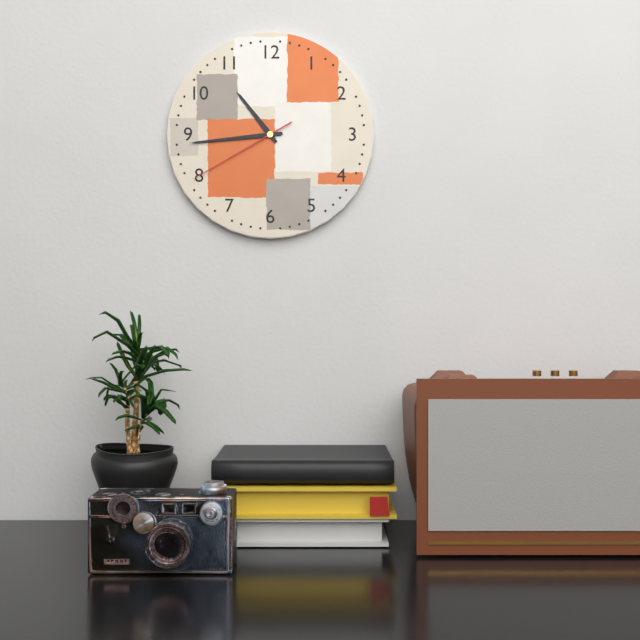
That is 10:44:40
